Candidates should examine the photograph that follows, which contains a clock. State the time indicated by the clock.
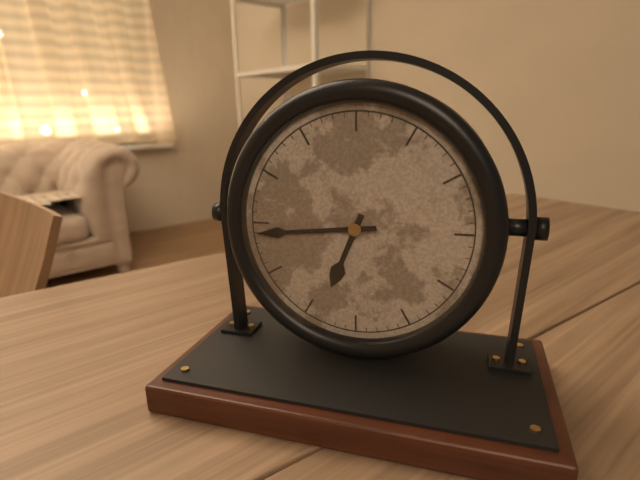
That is 6:44
